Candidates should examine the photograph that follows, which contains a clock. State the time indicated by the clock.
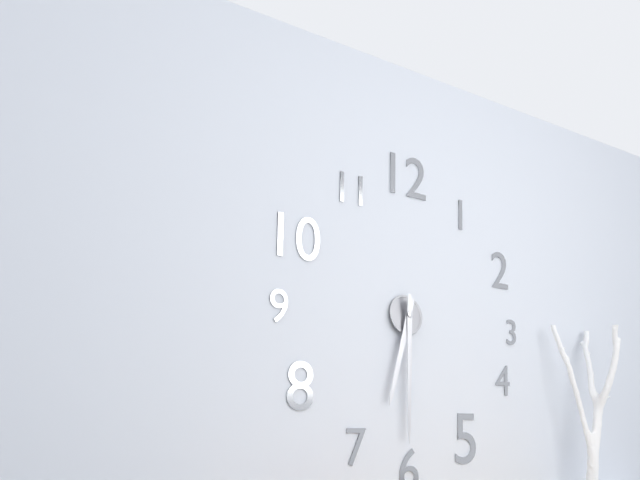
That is 6:30
